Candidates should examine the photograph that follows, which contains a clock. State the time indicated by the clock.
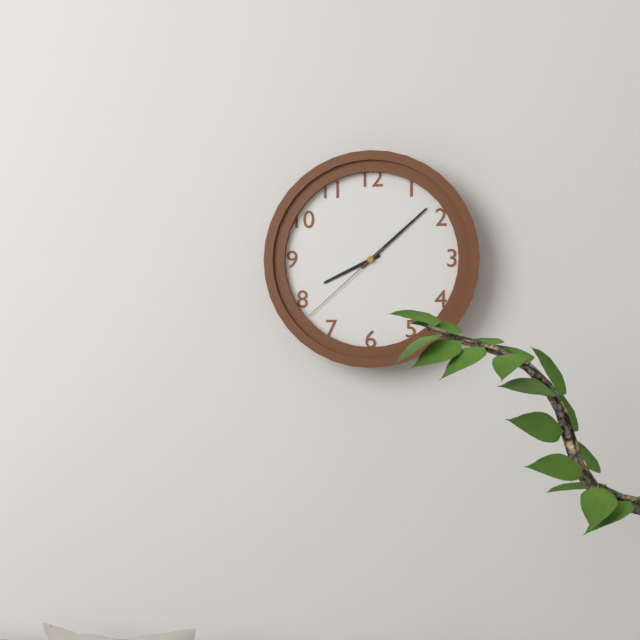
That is 8:08:38
